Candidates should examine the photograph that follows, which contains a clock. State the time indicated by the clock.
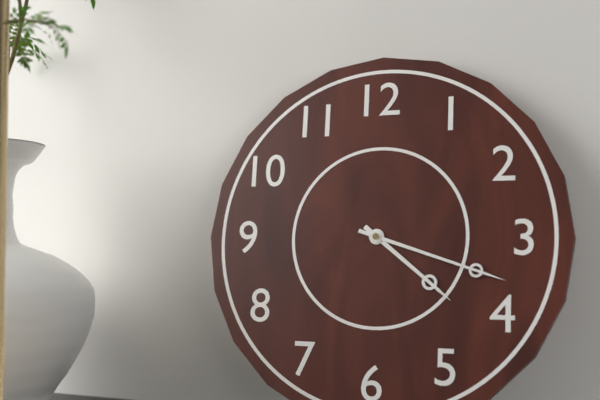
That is 4:18
